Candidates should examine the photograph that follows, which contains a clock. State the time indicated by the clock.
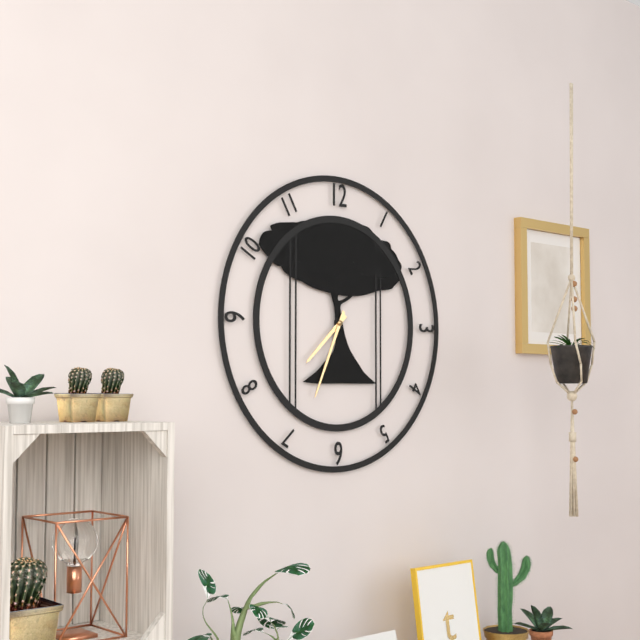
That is 7:34
